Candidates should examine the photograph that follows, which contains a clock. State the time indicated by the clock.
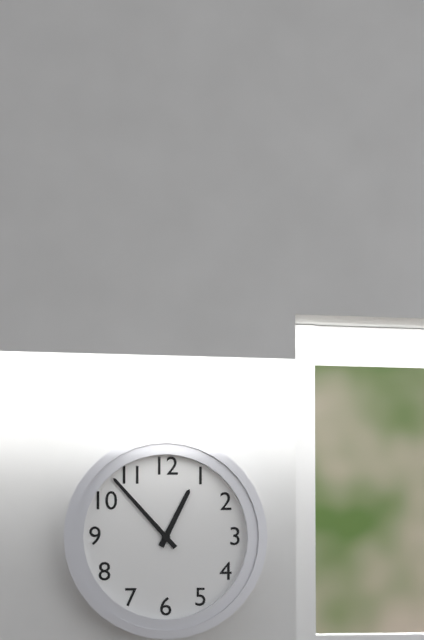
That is 12:53
